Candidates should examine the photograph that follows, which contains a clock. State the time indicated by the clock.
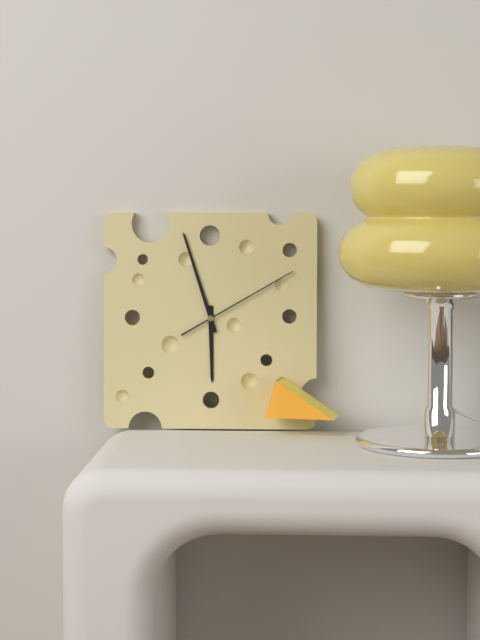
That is 5:57:10
